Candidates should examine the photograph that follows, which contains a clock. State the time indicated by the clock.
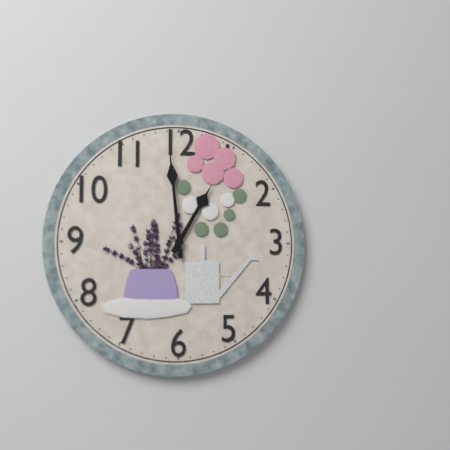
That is 12:59
